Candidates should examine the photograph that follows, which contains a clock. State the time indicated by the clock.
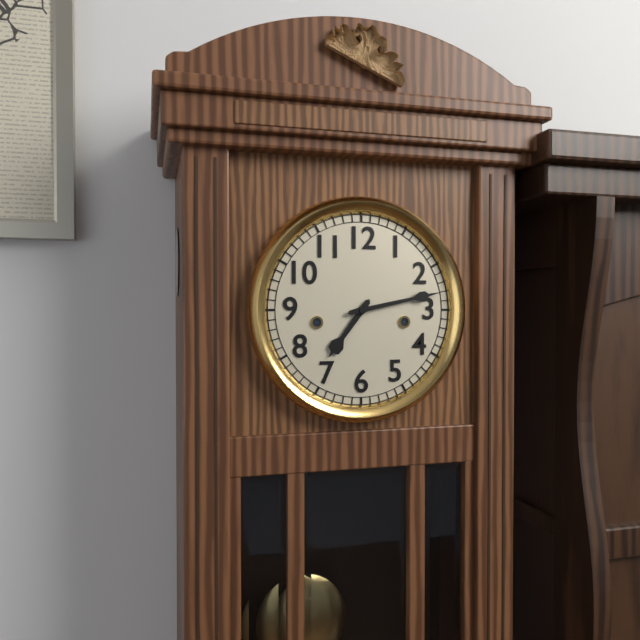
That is 7:13
